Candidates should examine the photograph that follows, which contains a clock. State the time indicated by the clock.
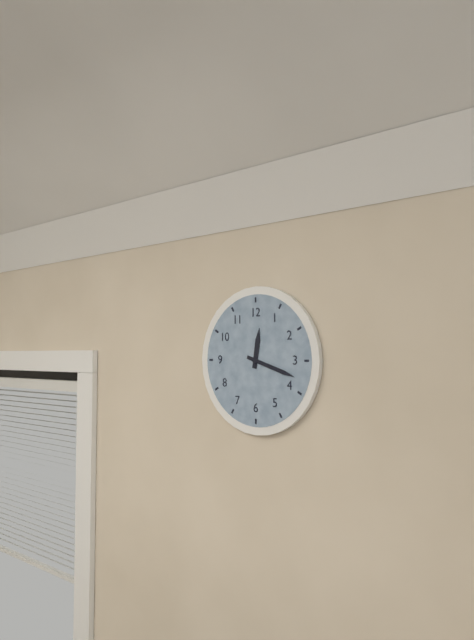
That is 12:18
